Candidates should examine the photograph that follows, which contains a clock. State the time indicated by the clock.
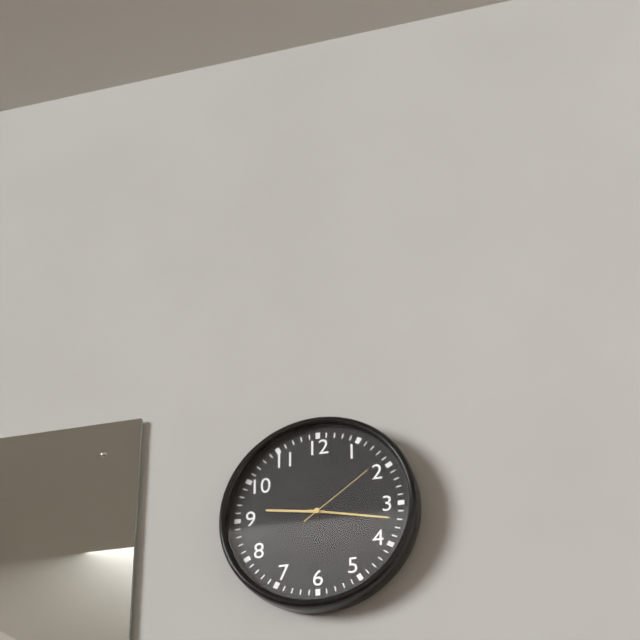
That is 9:17:09
